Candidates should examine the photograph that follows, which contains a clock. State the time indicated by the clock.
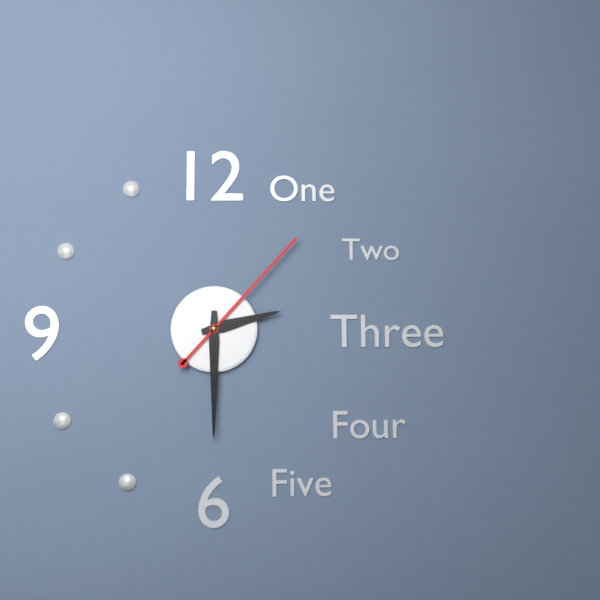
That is 2:30:07
